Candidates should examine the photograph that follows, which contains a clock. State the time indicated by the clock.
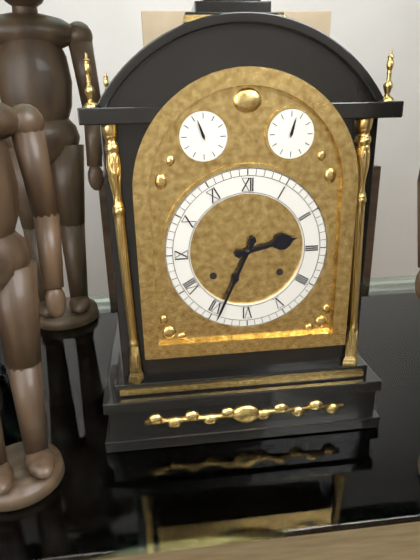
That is 2:34
